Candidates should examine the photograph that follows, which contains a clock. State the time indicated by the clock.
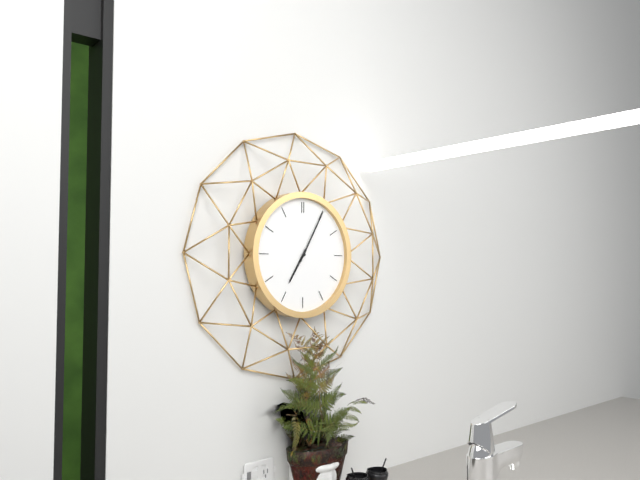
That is 7:05
